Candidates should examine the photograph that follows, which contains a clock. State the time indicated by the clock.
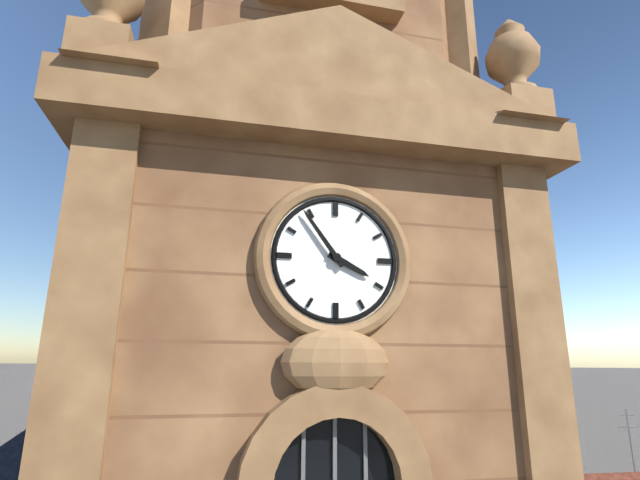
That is 3:54
